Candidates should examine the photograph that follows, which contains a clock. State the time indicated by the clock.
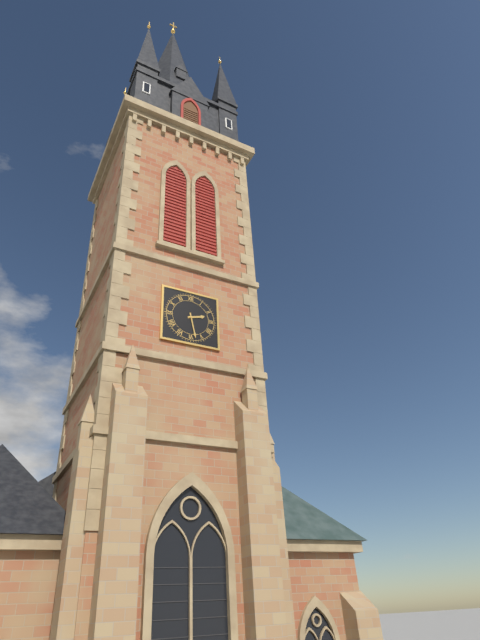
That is 2:28
